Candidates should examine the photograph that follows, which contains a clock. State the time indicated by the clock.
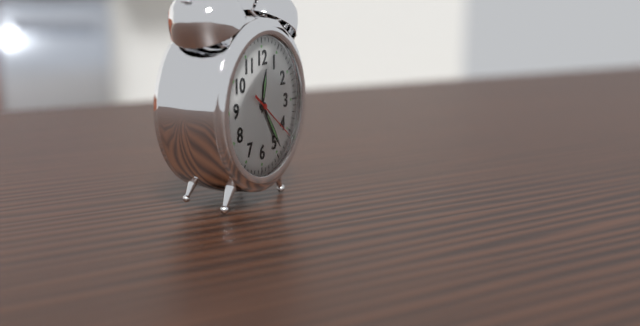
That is 12:24:21
